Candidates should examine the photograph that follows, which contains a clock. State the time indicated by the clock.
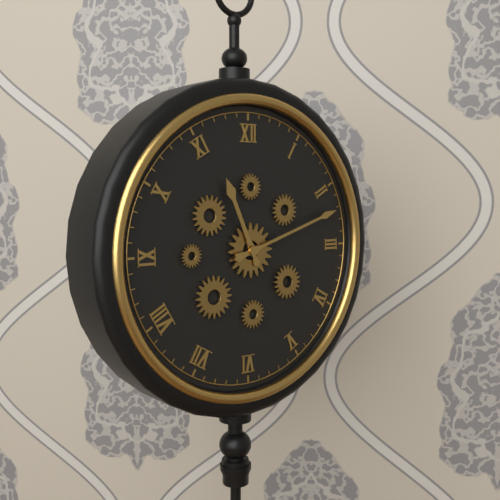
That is 11:12
